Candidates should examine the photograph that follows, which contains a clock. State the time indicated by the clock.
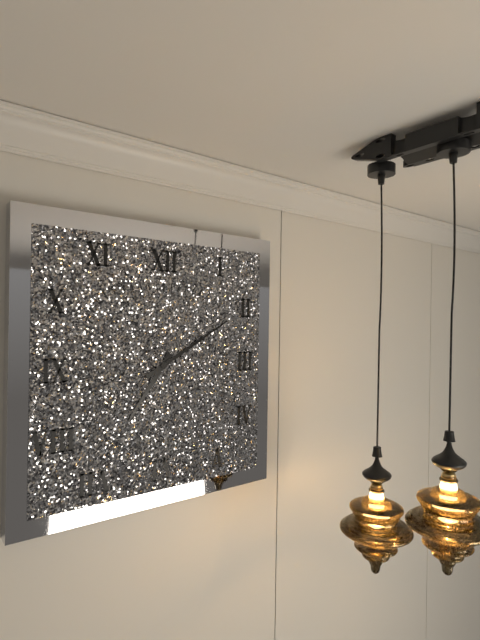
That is 7:10
